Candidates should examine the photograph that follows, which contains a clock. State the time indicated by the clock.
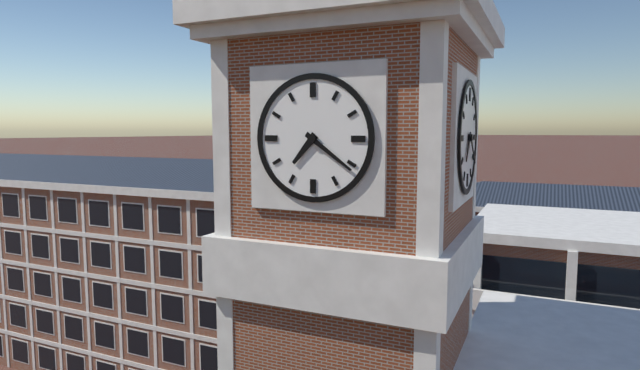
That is 7:21
